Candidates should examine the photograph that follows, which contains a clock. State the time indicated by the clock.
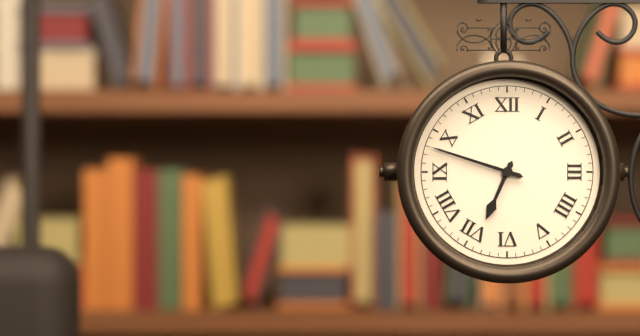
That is 6:48
